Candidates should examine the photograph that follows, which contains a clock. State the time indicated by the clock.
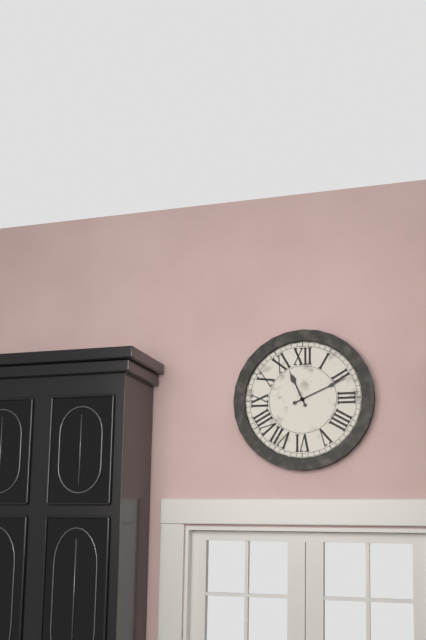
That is 11:11
